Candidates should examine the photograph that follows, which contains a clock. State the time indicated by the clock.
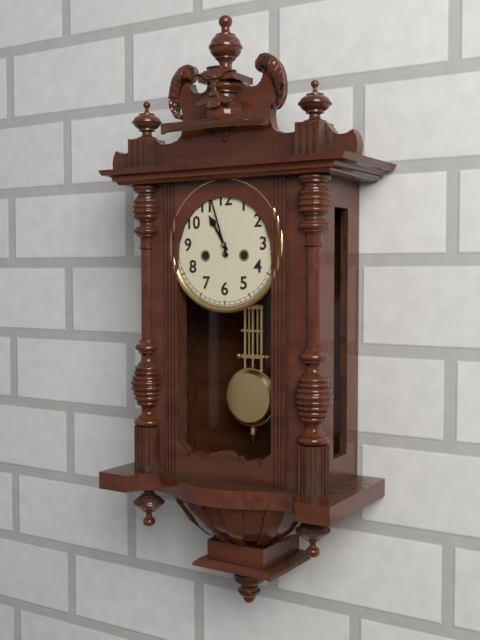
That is 10:57
